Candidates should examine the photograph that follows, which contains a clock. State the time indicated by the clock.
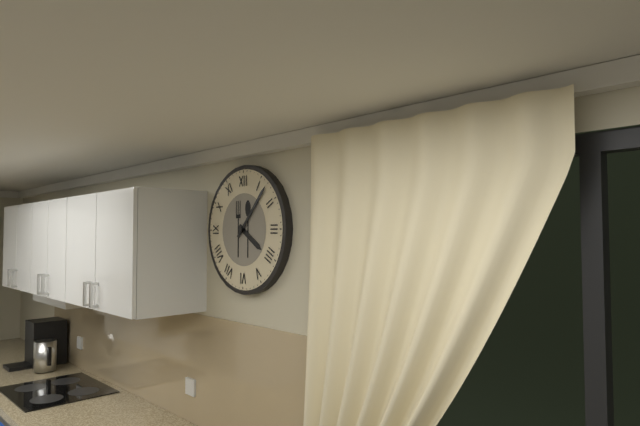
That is 4:07
